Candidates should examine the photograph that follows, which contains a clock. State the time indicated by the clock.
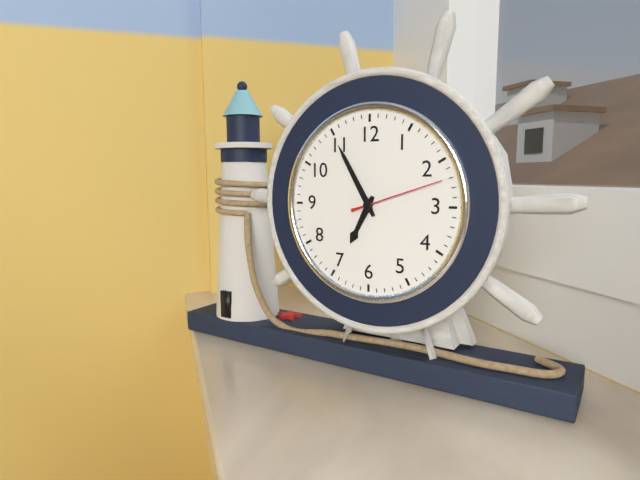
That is 6:55:12
